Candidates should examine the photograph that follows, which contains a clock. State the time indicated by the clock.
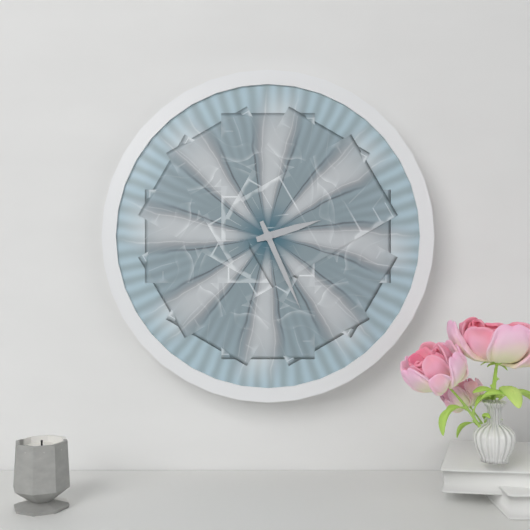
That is 2:26
